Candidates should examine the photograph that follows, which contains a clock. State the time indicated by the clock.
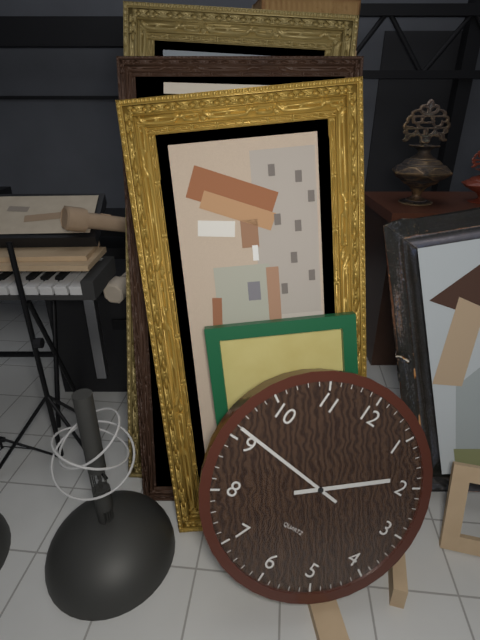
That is 1:46
